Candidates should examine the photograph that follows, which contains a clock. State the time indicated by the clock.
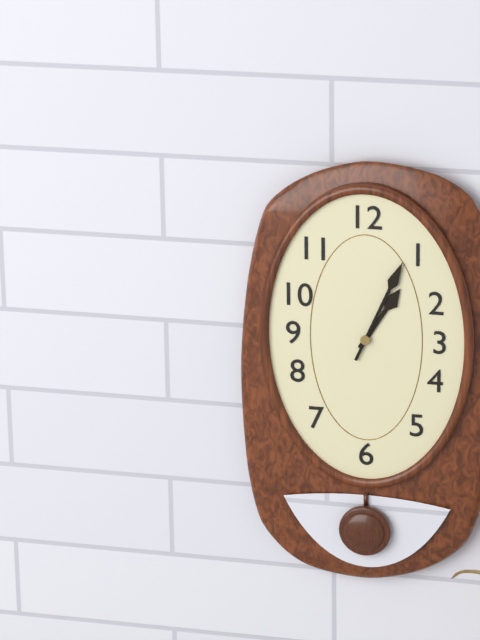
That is 1:04
